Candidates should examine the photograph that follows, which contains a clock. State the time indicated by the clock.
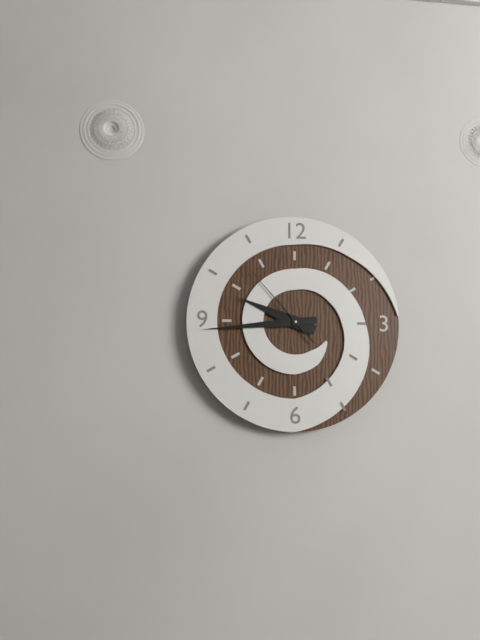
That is 9:44:53
